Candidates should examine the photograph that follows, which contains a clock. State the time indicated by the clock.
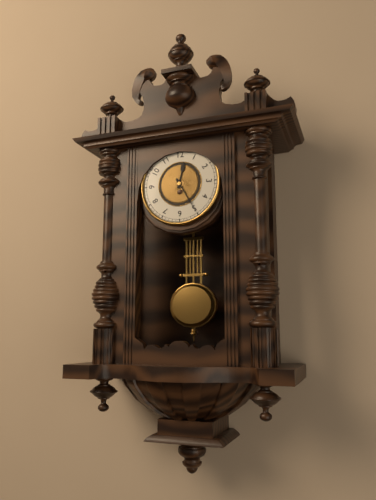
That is 12:25
